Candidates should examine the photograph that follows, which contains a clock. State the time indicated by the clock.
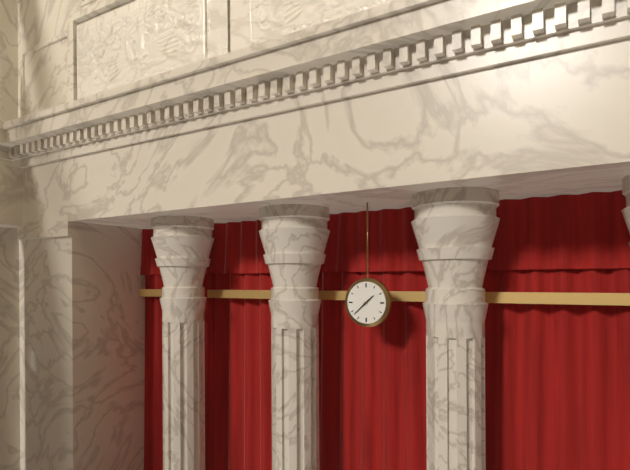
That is 1:38
